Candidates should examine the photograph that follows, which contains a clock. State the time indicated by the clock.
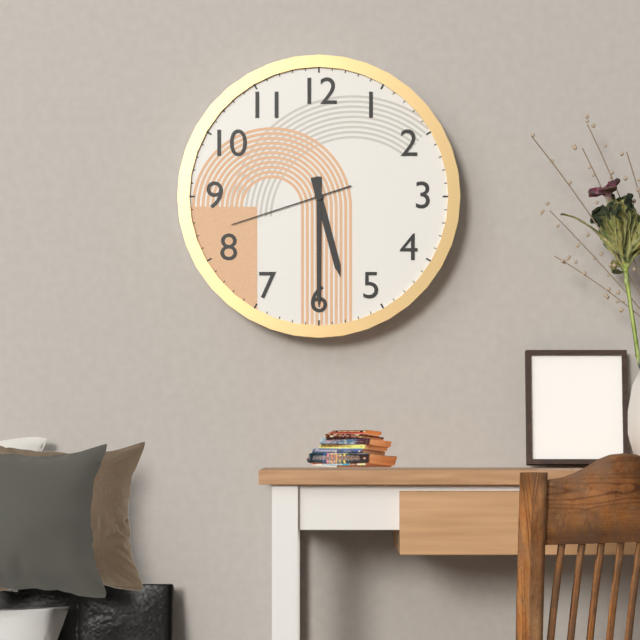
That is 5:30:42
